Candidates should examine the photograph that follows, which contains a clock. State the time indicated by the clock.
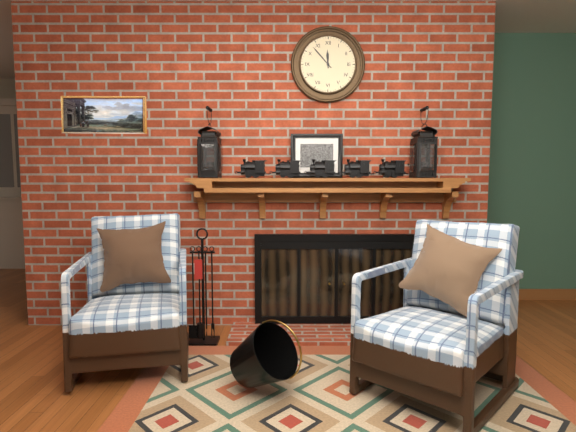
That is 11:53
